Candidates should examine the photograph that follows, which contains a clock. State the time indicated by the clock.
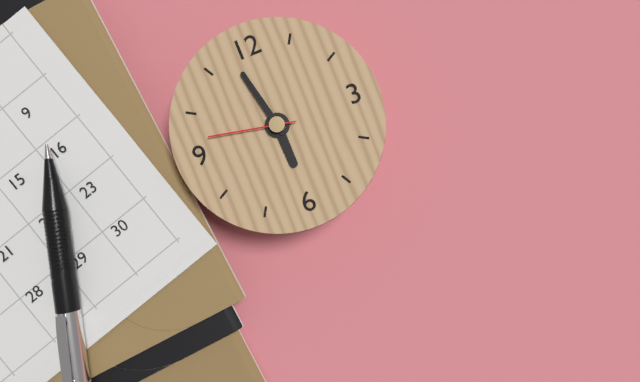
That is 5:58:47
